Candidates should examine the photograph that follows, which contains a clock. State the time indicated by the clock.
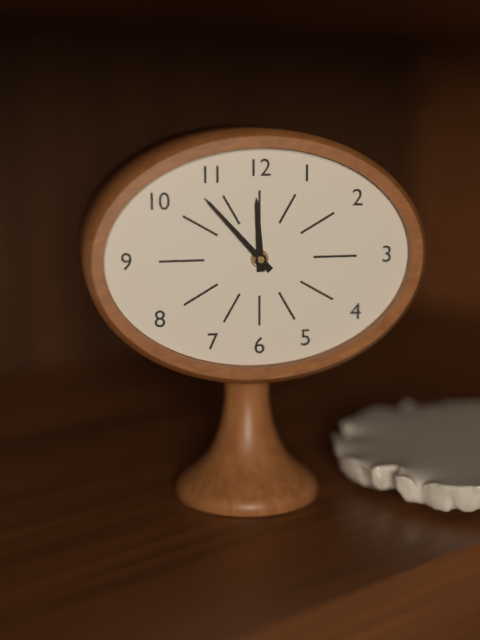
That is 11:53
